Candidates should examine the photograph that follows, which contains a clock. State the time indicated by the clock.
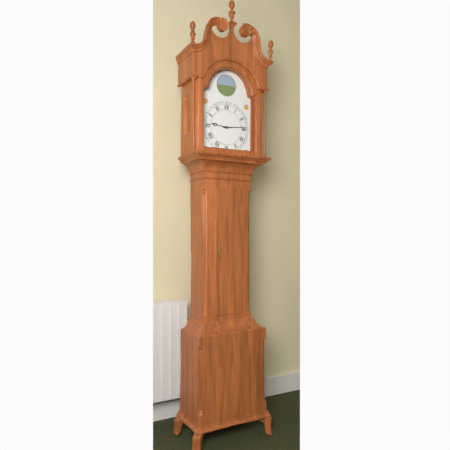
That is 9:14
